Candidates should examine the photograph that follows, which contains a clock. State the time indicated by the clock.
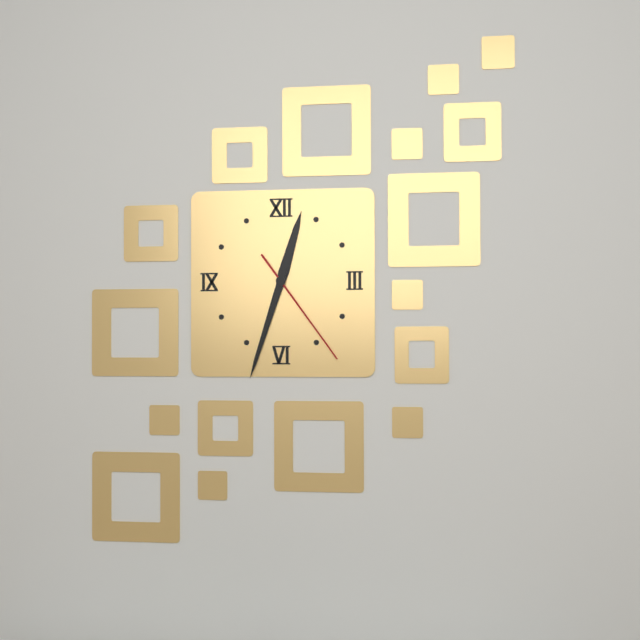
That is 12:33:24
